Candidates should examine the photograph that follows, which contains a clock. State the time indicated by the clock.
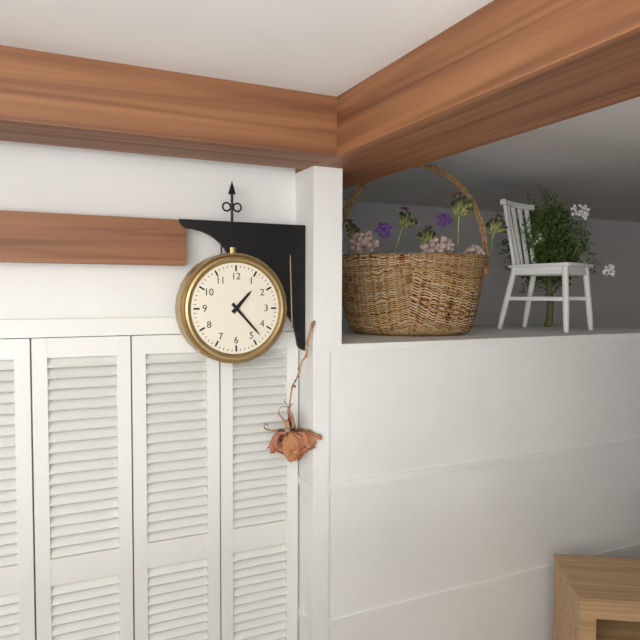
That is 1:23
